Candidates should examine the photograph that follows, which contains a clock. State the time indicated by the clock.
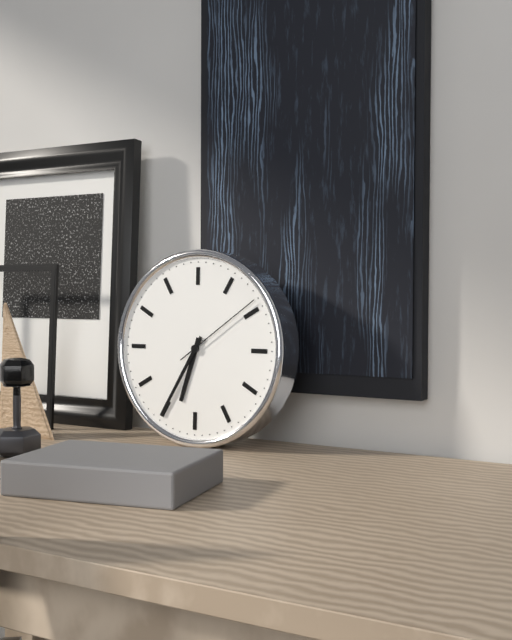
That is 6:35:09
